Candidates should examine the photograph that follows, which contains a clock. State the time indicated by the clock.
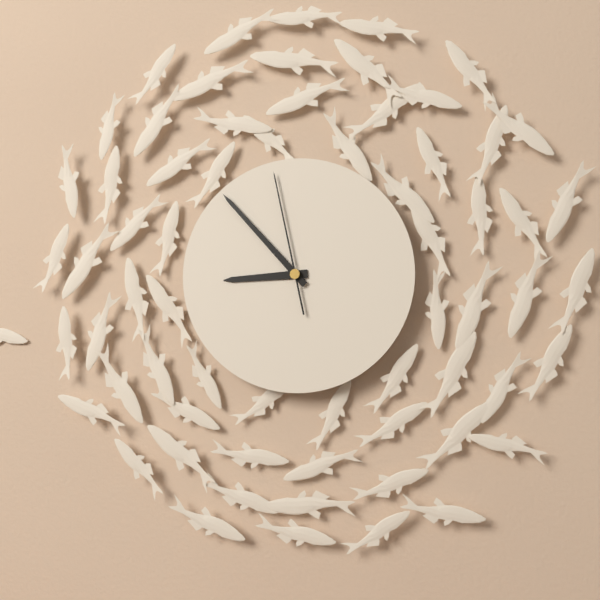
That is 8:53:58
